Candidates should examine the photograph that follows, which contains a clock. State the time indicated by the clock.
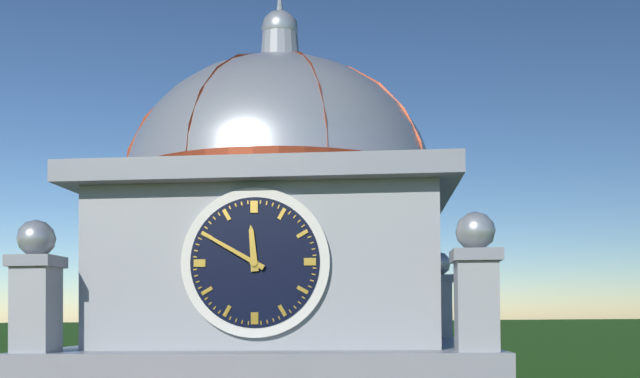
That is 11:50
